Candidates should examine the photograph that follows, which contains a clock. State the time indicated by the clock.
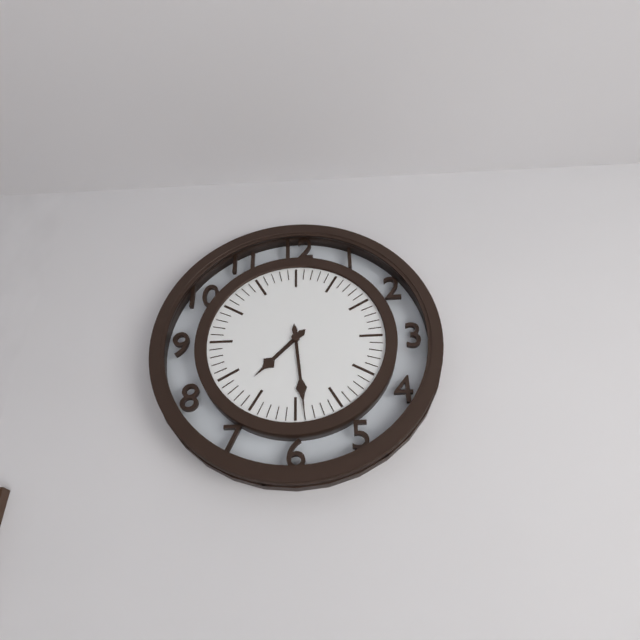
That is 7:29
